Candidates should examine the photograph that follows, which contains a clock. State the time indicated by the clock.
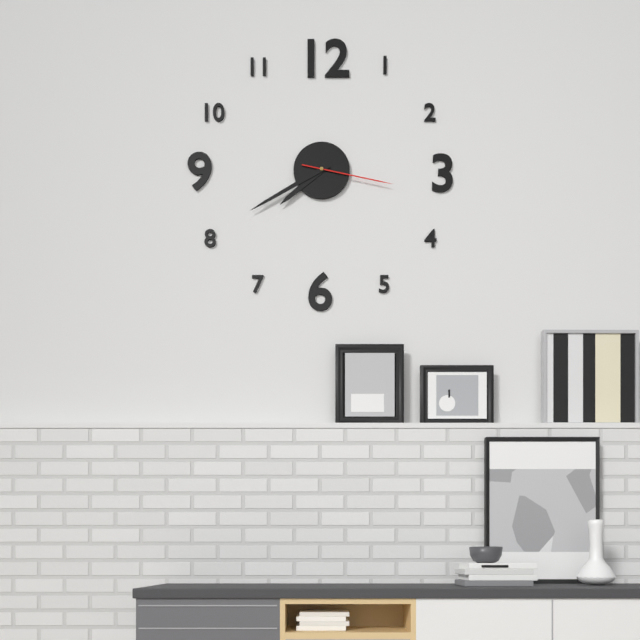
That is 7:40:17
